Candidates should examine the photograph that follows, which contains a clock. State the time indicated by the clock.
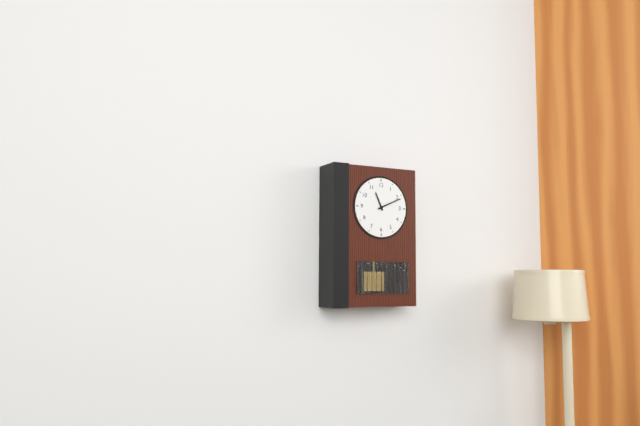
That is 11:11
